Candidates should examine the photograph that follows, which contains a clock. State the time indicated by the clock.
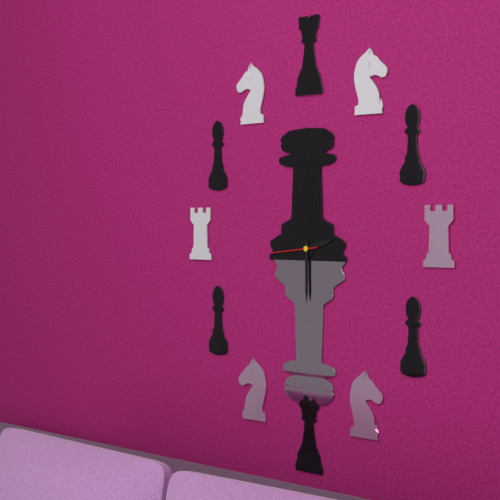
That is 2:30
